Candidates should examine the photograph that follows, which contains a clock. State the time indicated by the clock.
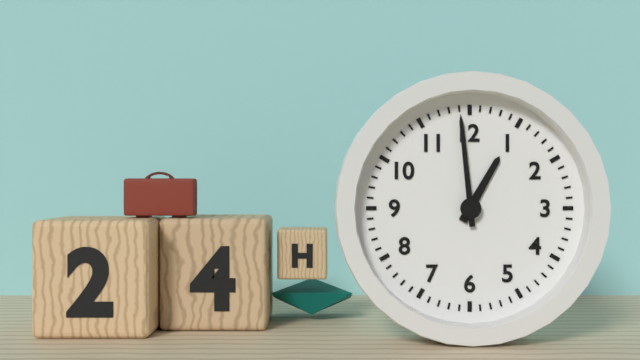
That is 12:59
